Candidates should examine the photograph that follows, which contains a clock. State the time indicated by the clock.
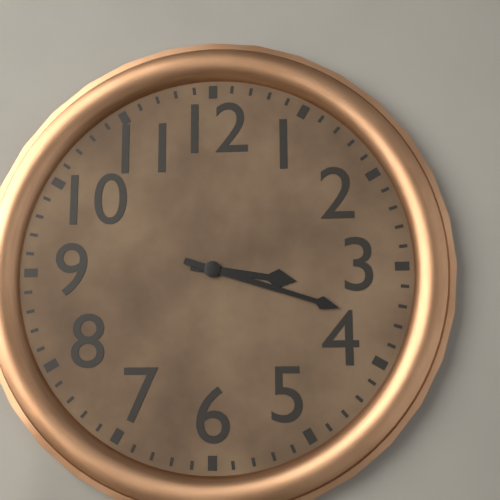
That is 3:18
